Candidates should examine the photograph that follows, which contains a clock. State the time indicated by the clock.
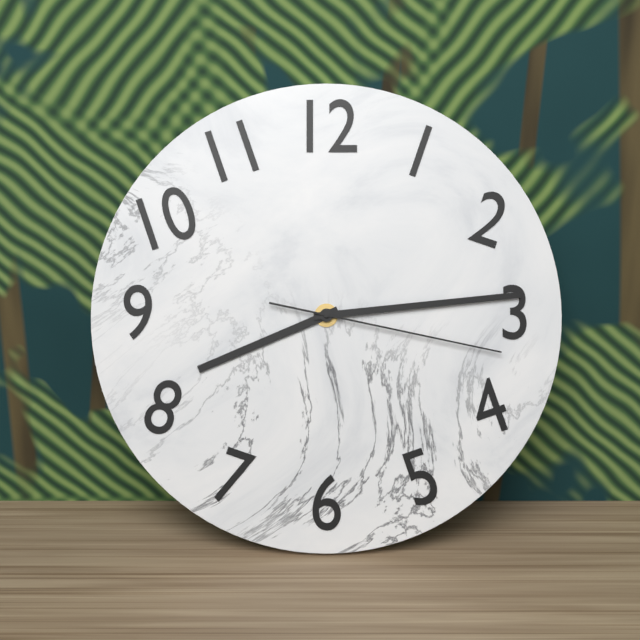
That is 8:14:17
